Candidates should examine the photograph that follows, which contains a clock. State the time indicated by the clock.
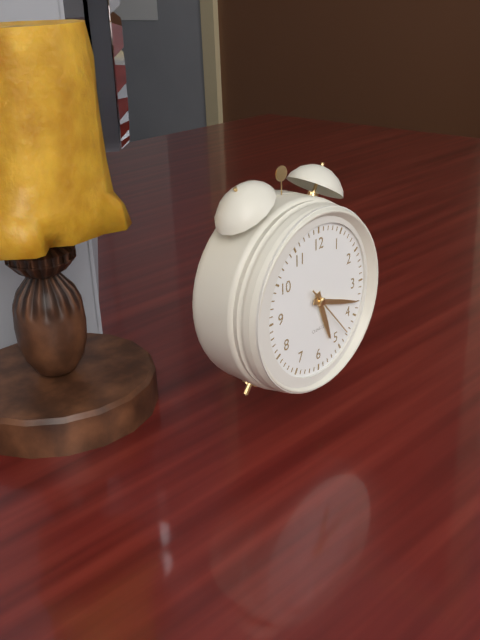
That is 5:18
